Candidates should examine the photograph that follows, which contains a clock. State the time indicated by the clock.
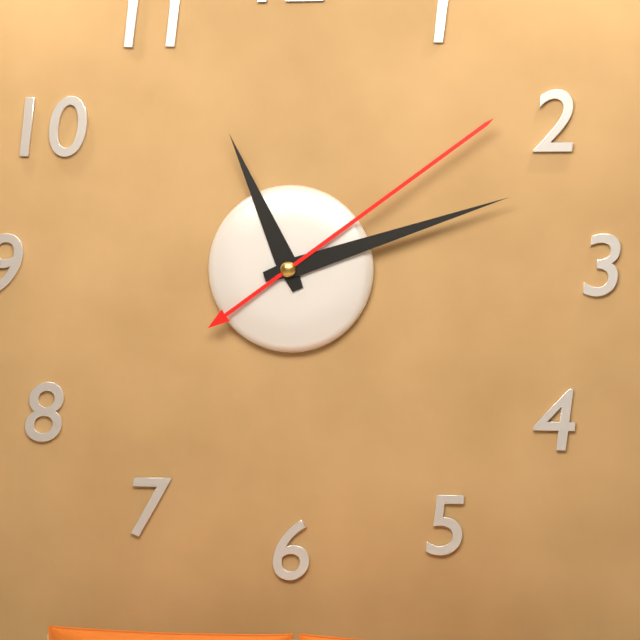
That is 11:12:09
